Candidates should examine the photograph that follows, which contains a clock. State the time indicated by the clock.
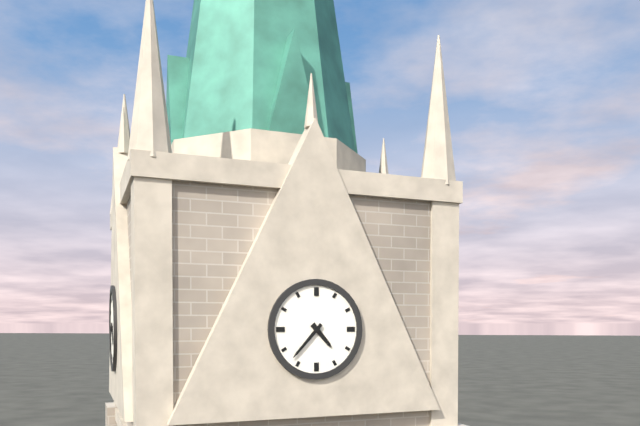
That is 4:37
